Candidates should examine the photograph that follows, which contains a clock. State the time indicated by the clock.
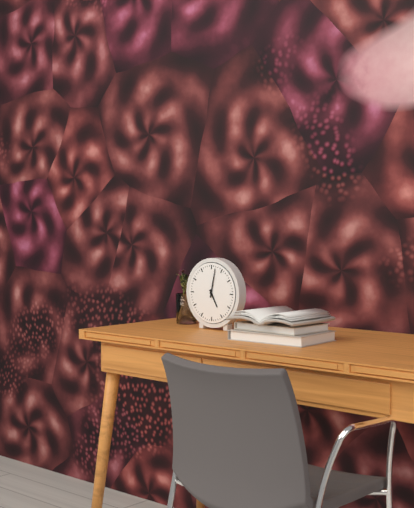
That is 5:02
